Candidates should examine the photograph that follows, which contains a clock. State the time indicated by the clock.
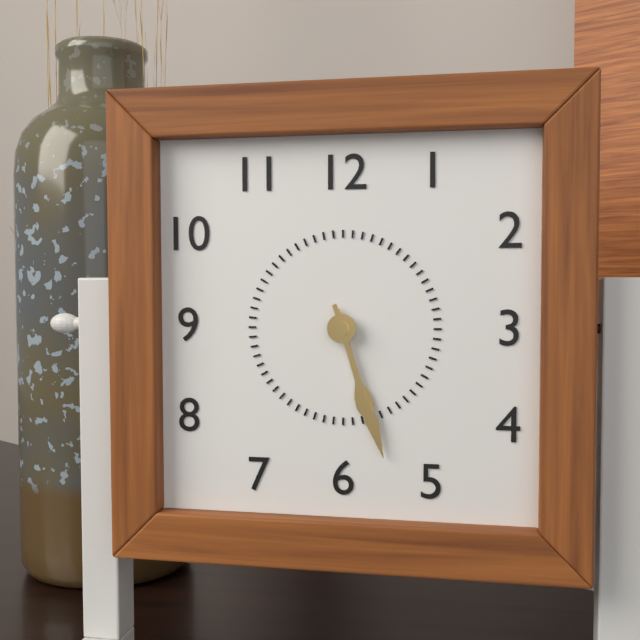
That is 5:27
